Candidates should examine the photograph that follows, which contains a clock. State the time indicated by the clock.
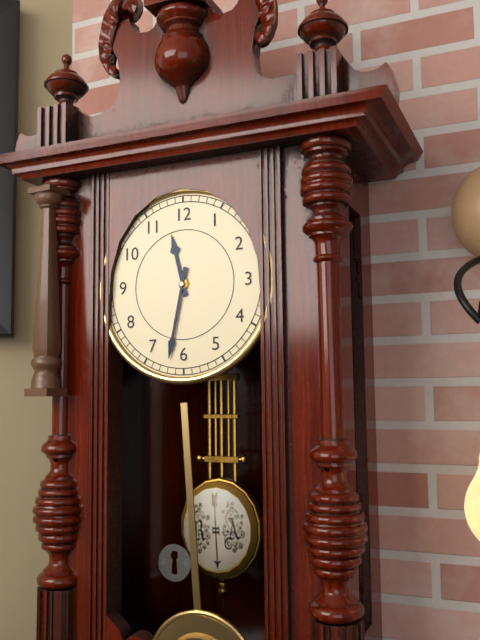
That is 11:32
